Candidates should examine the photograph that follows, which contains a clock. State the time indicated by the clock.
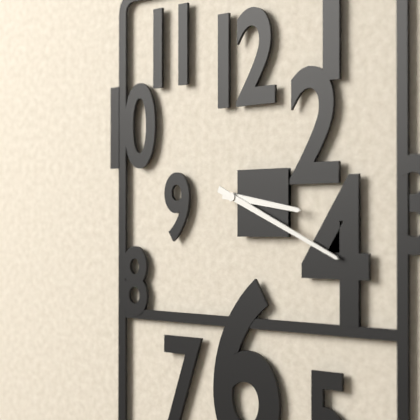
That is 3:19
